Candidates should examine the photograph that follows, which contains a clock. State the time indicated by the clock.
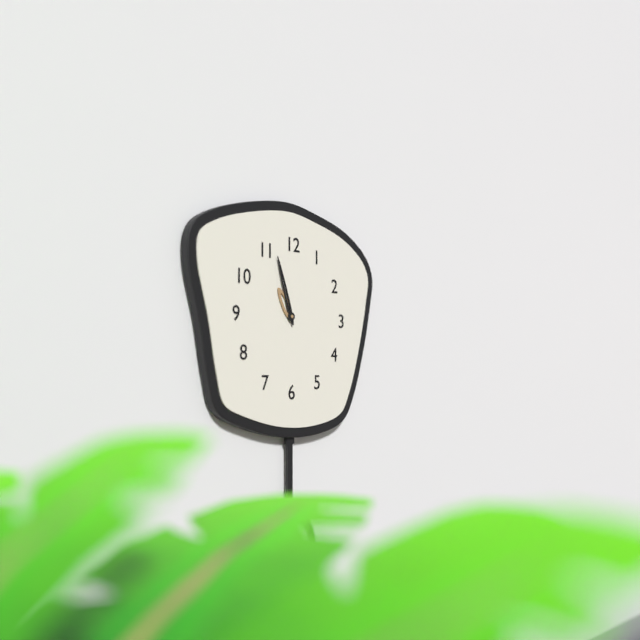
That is 10:57
